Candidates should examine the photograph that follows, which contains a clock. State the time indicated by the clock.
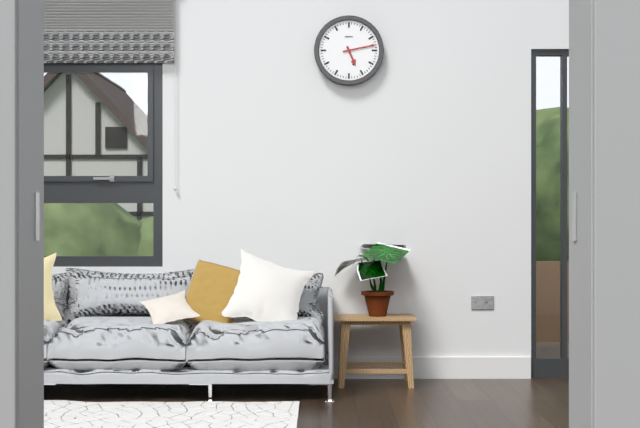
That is 5:13
